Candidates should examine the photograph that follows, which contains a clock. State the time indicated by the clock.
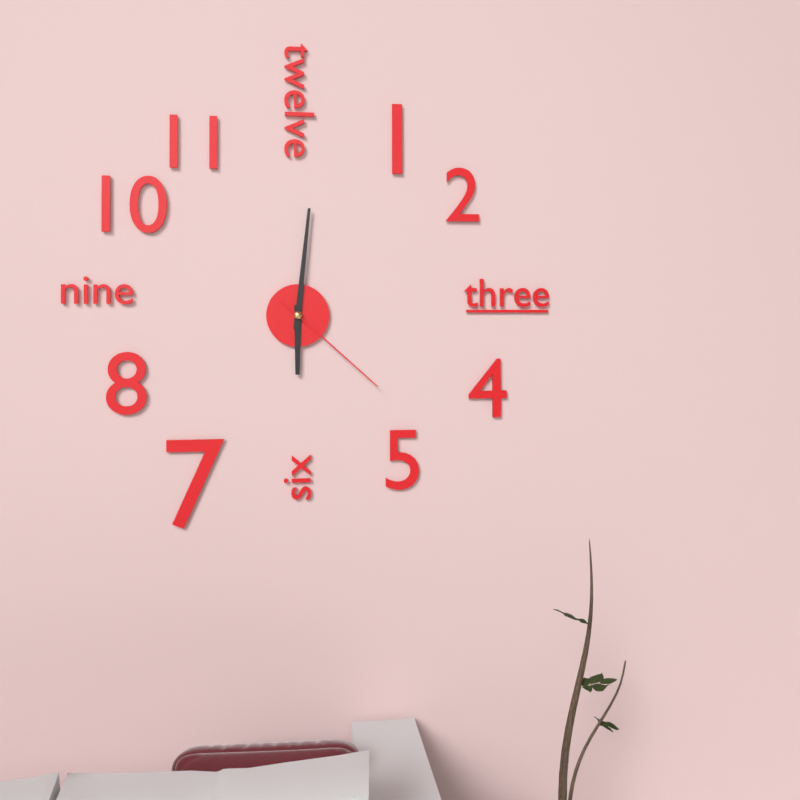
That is 6:01:22
